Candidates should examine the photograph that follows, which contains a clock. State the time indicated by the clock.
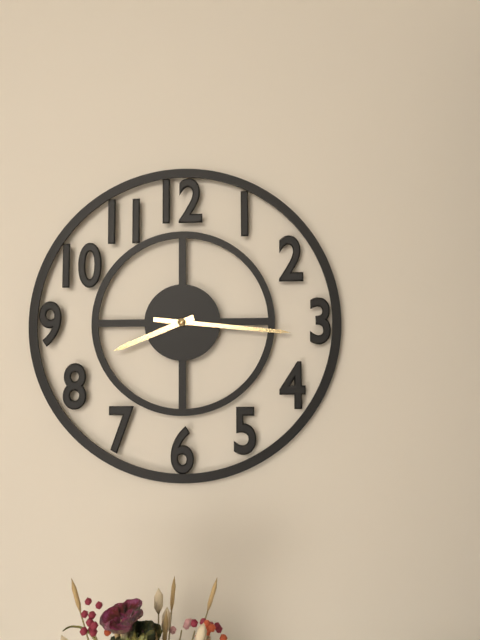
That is 8:16
